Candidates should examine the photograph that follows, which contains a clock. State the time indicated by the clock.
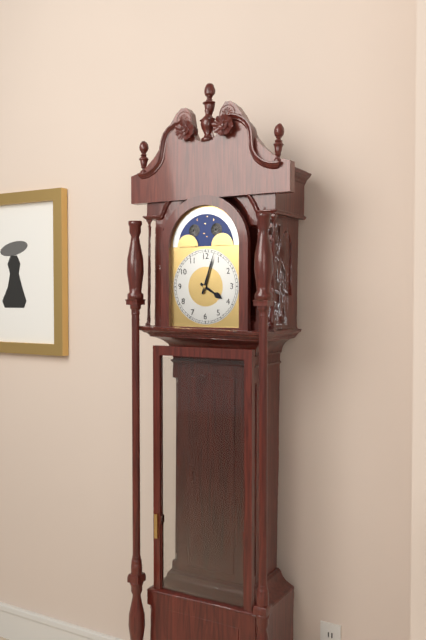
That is 4:03
